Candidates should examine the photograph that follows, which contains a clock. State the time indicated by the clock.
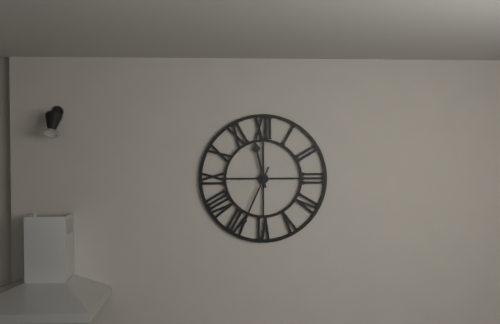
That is 11:34
